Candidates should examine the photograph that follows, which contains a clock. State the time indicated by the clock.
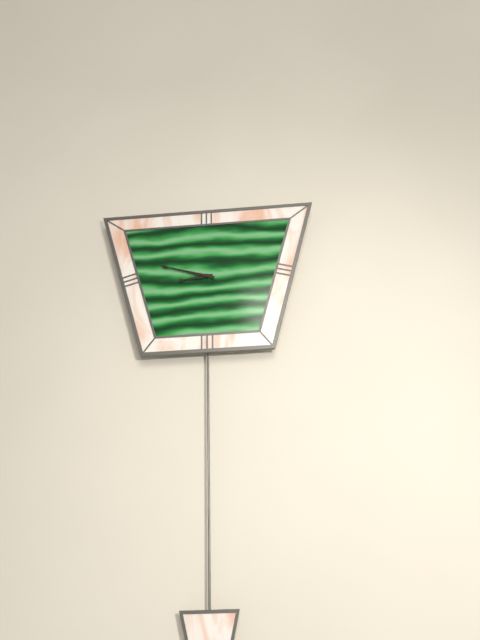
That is 8:48
